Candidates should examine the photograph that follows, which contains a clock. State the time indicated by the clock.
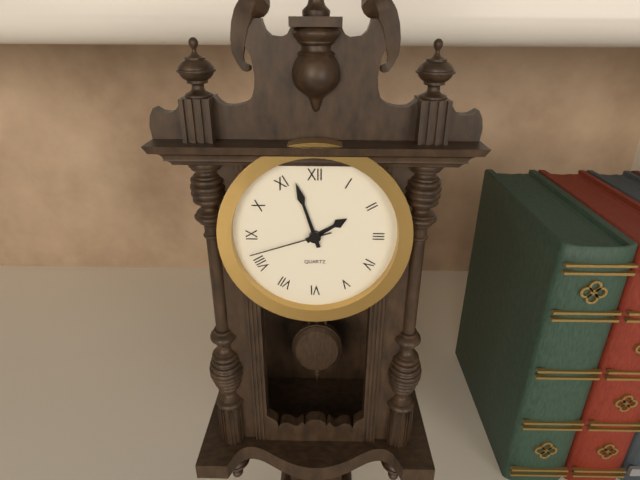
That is 1:57:42
